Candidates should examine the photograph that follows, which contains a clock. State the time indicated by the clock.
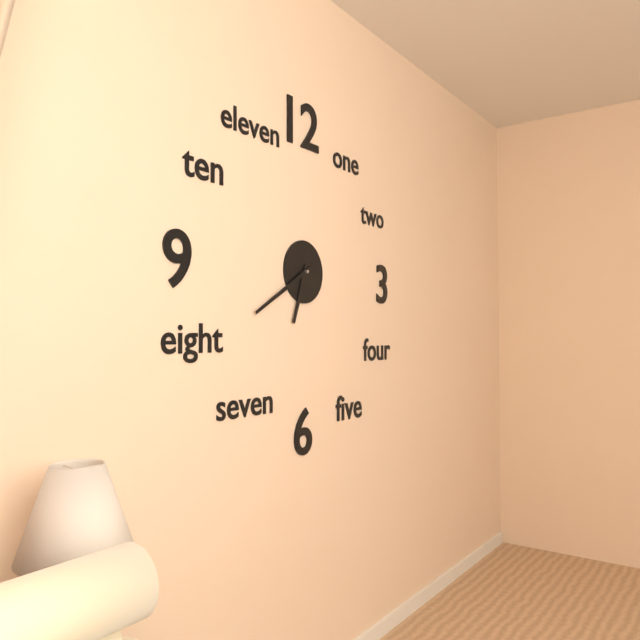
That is 6:40
